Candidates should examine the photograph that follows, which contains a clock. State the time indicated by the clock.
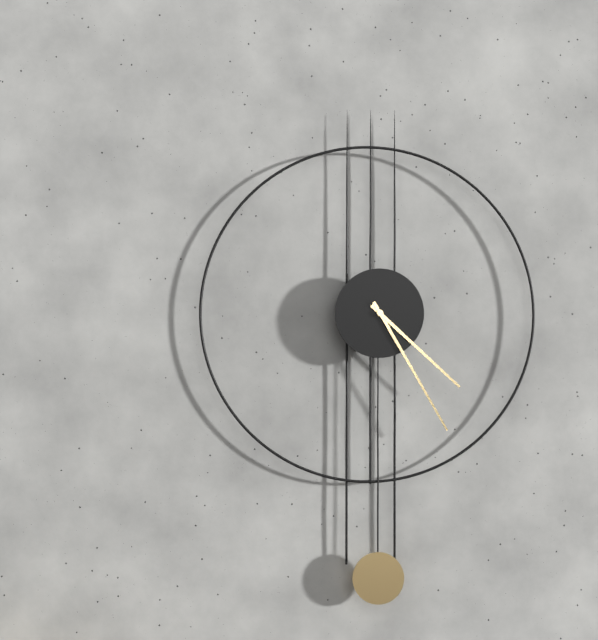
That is 4:25
